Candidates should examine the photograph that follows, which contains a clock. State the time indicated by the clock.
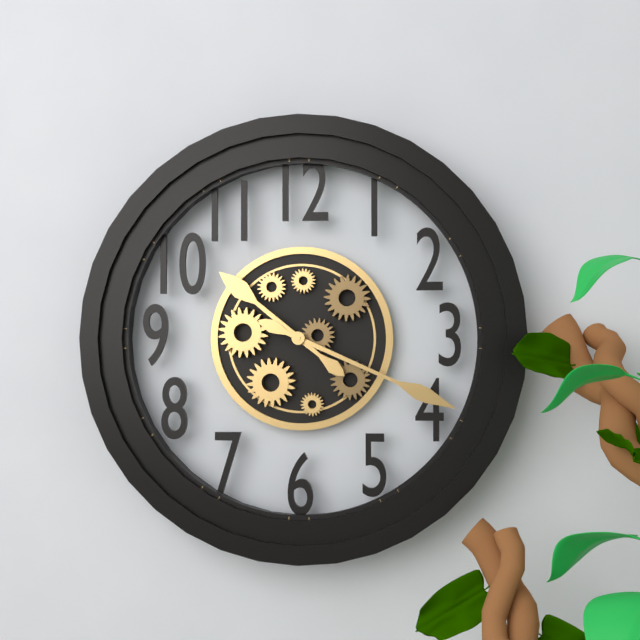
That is 10:19
